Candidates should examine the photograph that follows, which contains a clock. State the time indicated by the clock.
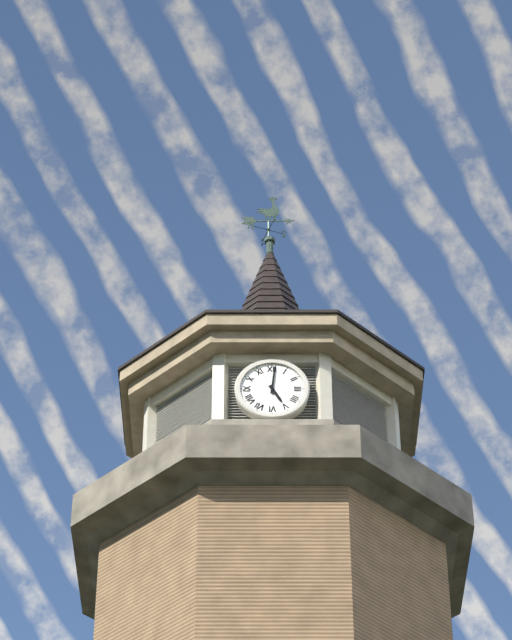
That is 5:01
